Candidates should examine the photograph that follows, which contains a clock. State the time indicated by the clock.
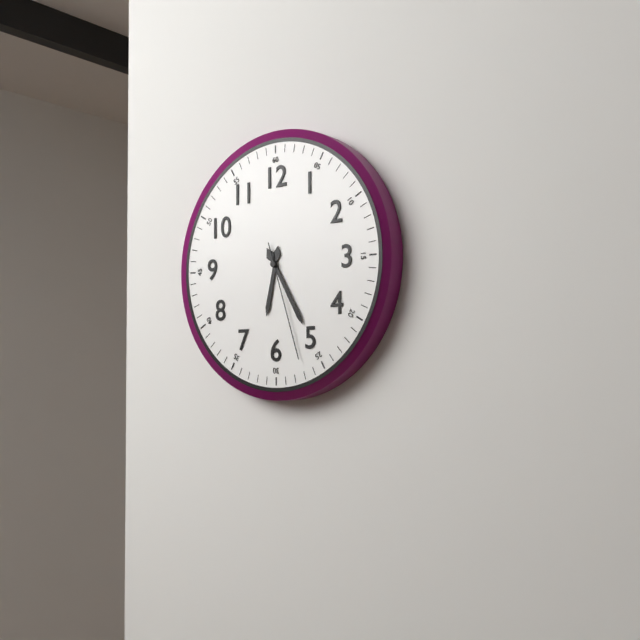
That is 6:25:27
